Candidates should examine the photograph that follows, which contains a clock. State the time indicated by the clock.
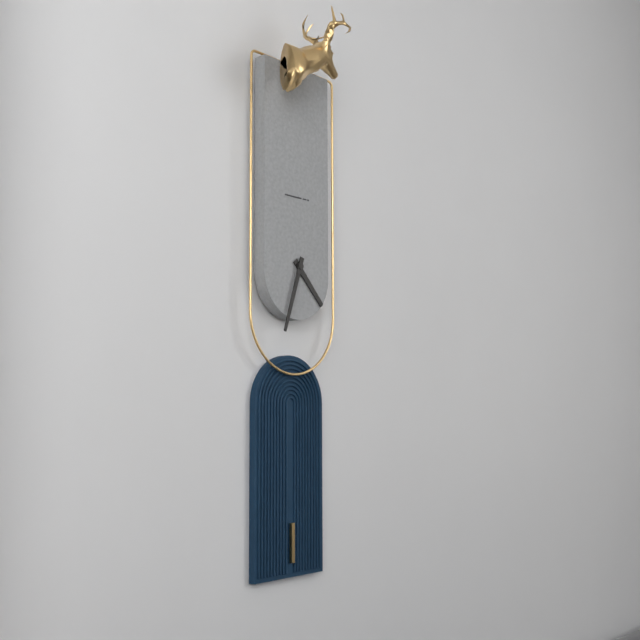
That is 4:33
